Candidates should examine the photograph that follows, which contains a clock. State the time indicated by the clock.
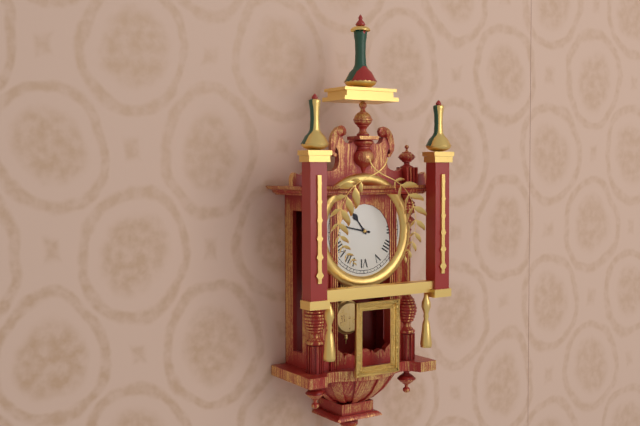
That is 10:47
